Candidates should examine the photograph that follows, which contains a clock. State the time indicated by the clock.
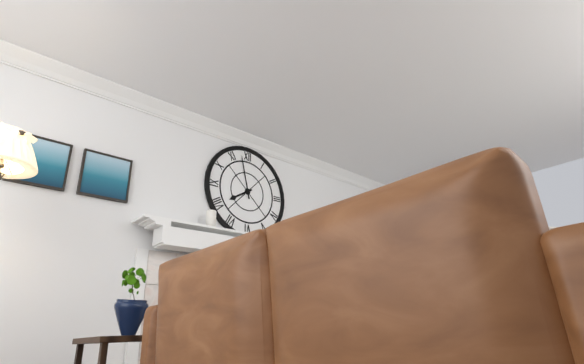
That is 7:58
